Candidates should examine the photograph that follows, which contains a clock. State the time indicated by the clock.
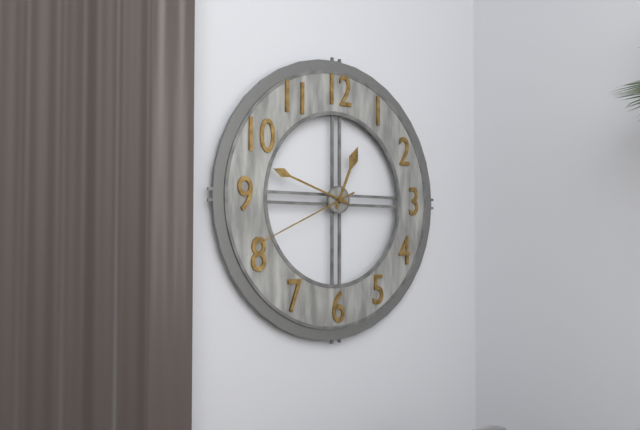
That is 12:48:41
